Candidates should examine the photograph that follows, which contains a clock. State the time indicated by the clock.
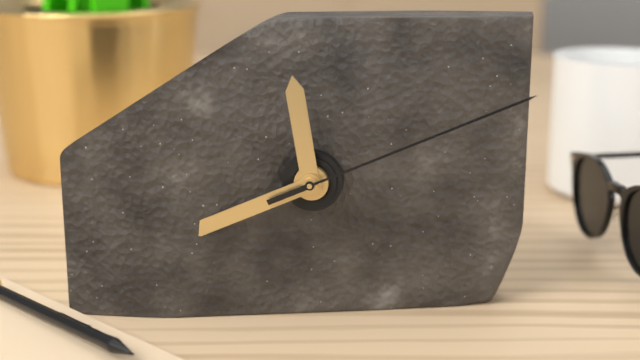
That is 11:41:11
